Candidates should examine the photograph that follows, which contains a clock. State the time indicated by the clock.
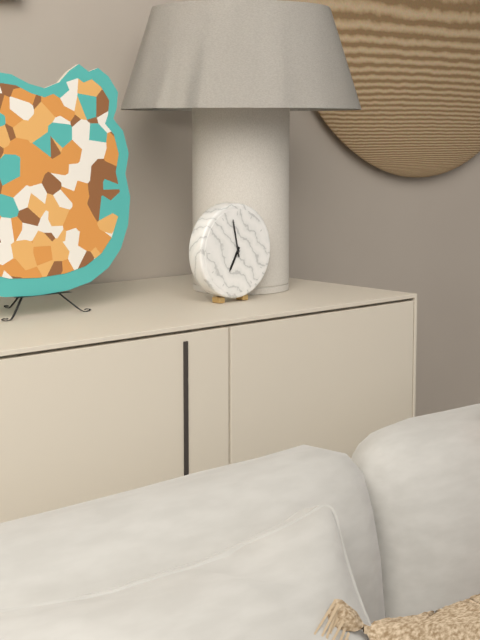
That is 6:58
